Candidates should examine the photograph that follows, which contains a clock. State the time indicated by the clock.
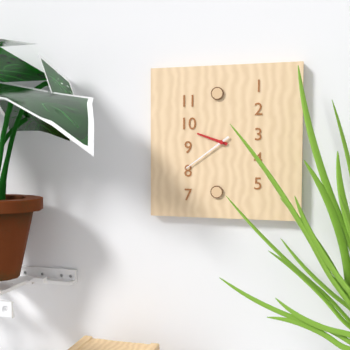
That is 9:39
